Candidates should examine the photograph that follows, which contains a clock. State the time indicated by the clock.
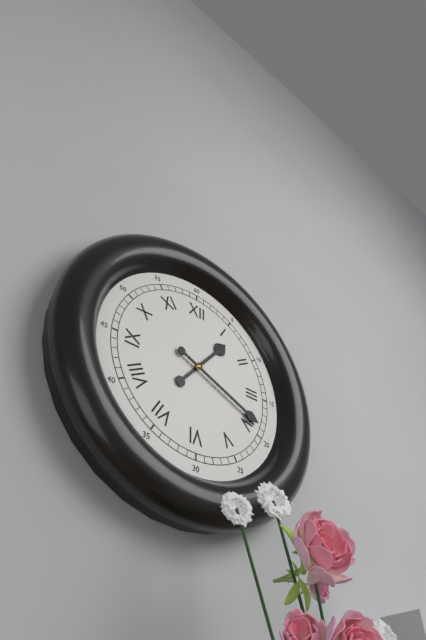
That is 1:19
